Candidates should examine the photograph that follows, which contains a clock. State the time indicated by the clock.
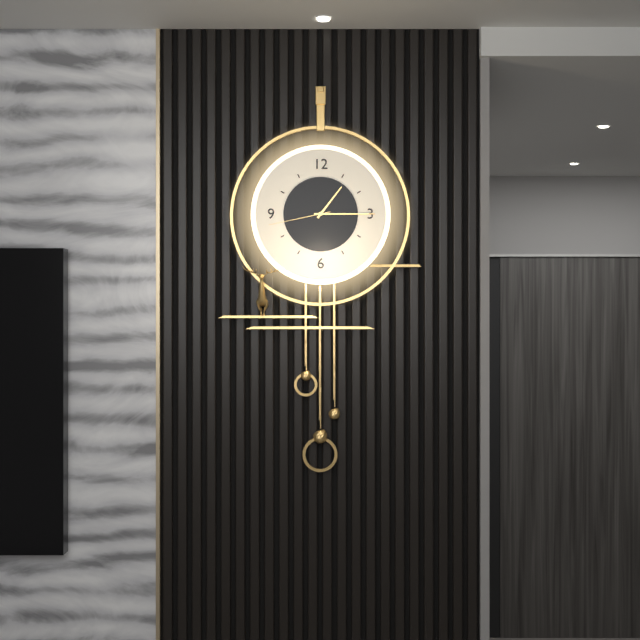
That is 1:15:43
